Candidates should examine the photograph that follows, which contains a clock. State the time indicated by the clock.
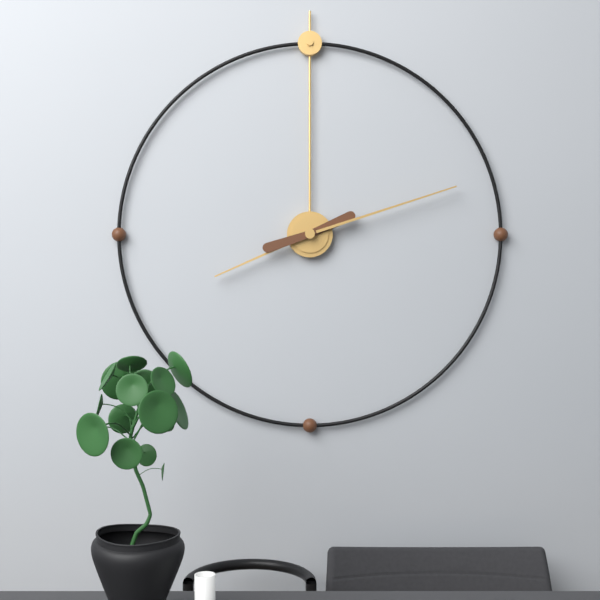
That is 8:12
